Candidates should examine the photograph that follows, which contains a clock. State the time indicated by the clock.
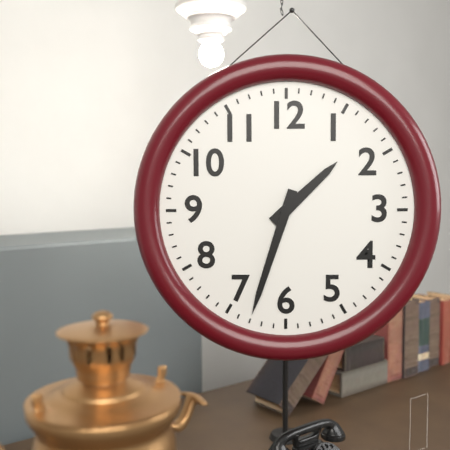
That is 1:33
